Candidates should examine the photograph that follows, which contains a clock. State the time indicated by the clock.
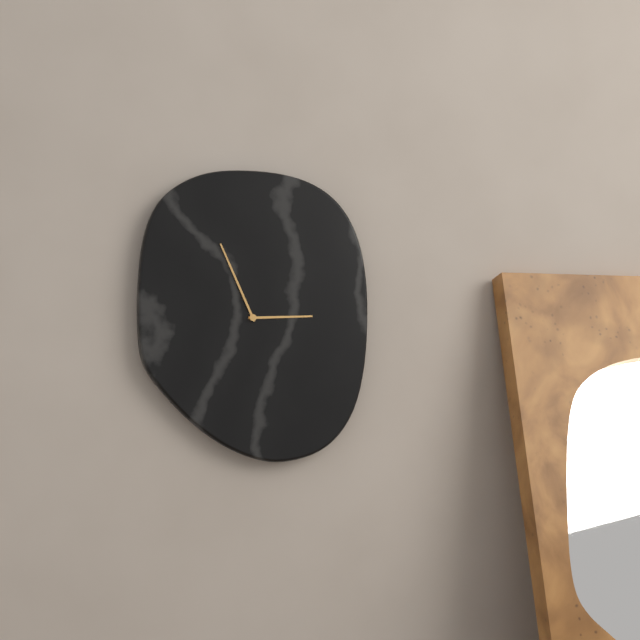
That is 2:56
